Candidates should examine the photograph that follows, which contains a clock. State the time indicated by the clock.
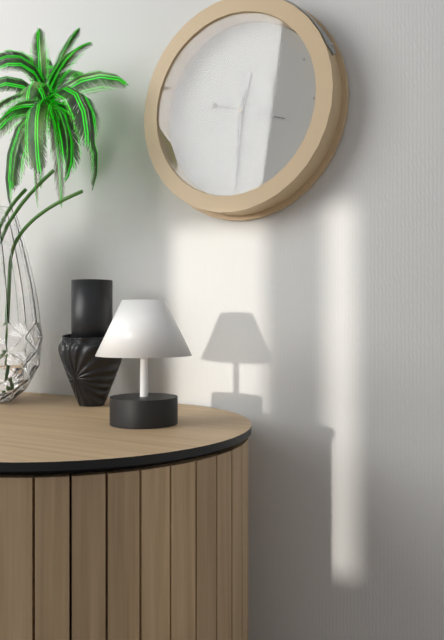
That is 12:31
